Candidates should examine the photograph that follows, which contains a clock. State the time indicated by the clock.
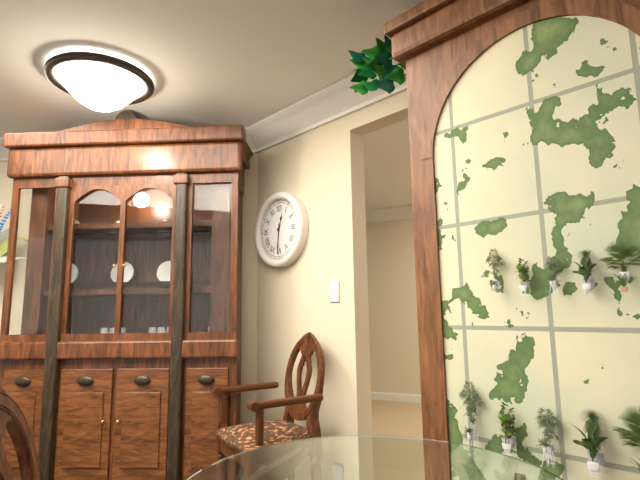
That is 12:31
